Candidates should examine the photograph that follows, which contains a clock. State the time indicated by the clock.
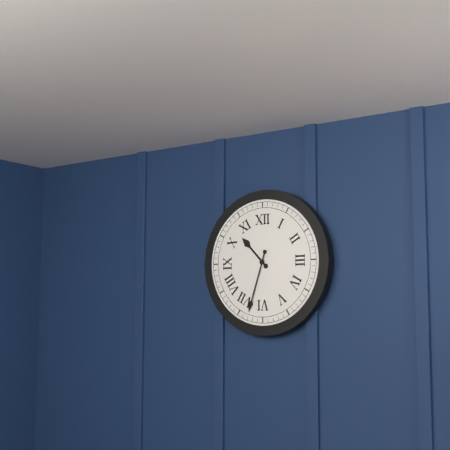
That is 10:33
